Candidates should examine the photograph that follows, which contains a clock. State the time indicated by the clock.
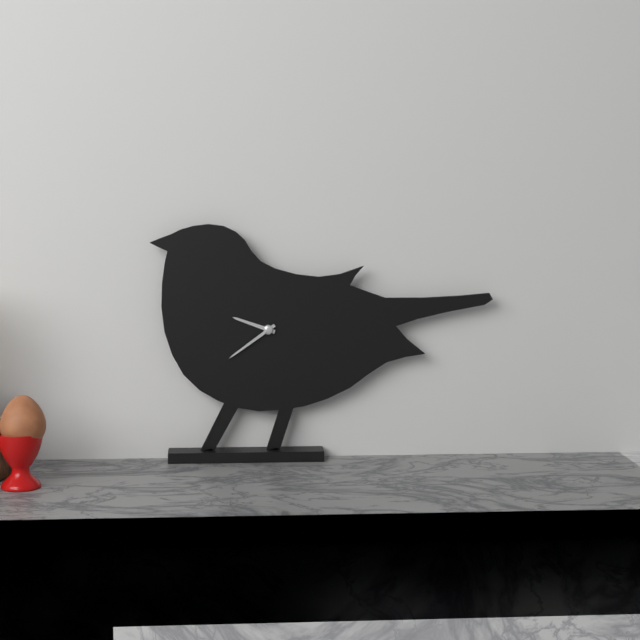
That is 9:39
